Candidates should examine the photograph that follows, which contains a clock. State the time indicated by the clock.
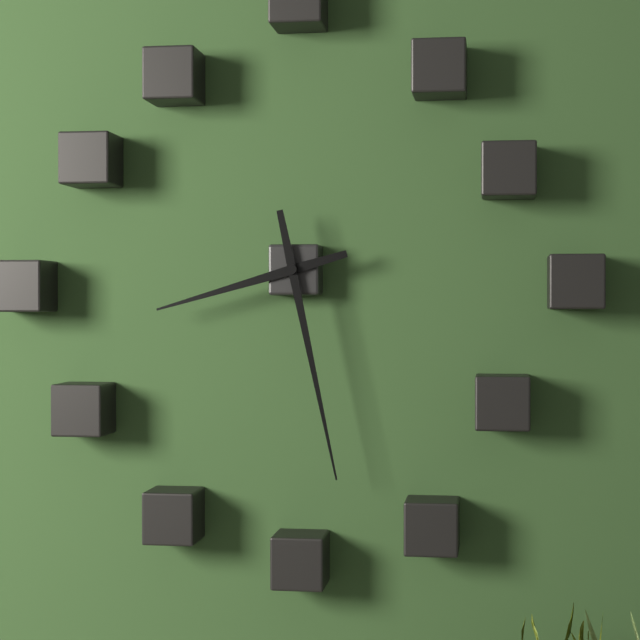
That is 8:28
